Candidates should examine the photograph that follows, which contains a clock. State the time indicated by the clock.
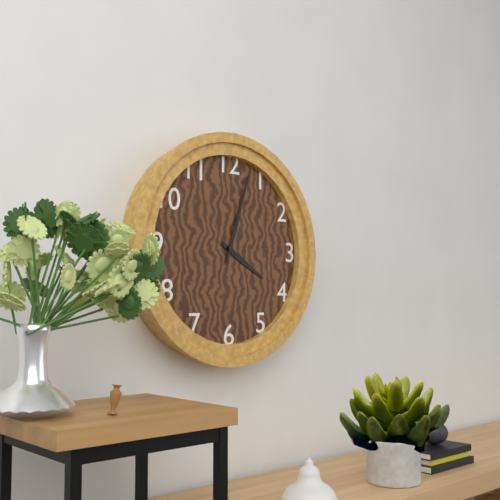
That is 4:03
